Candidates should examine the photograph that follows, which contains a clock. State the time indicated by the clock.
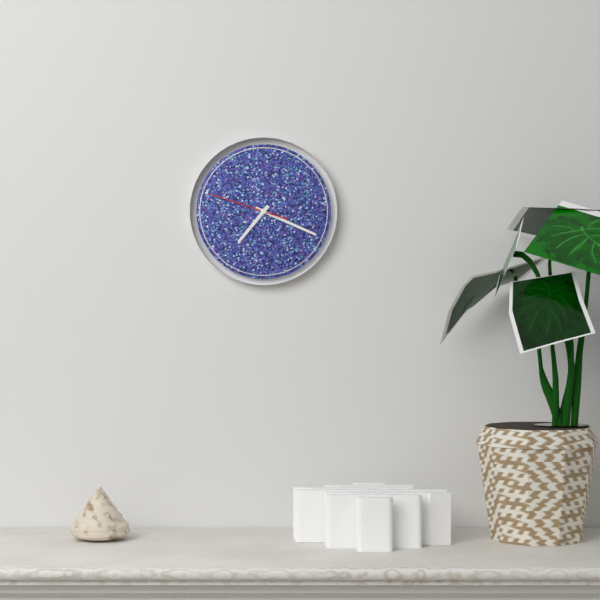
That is 7:19:48
